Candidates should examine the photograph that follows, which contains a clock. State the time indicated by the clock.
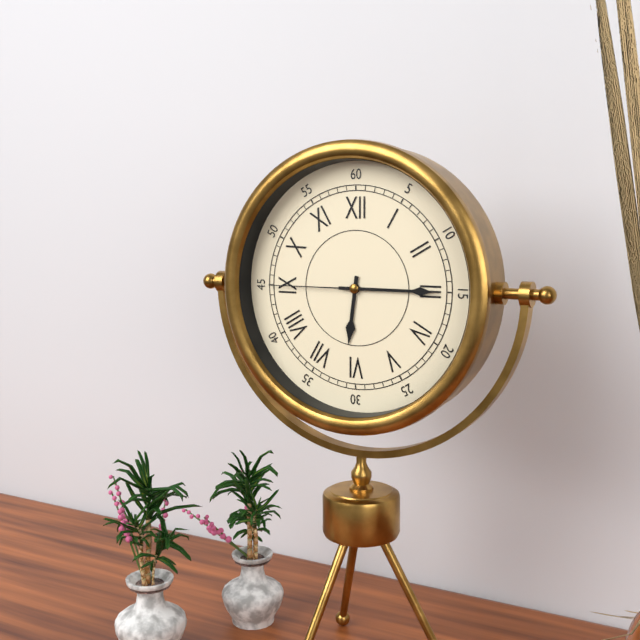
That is 6:15:45
